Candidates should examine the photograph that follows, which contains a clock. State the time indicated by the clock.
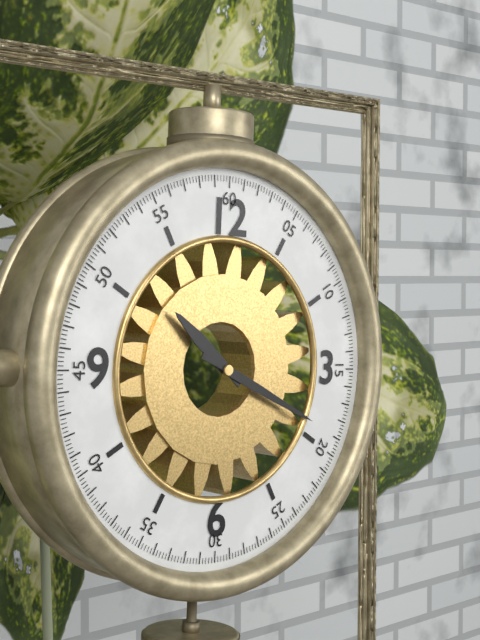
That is 10:19
